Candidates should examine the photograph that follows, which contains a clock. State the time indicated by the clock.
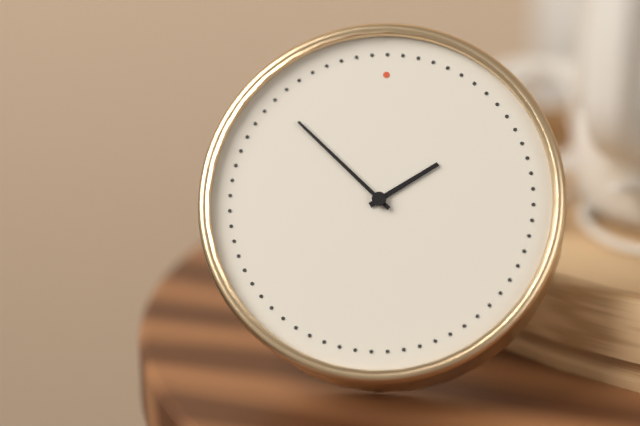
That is 1:52
